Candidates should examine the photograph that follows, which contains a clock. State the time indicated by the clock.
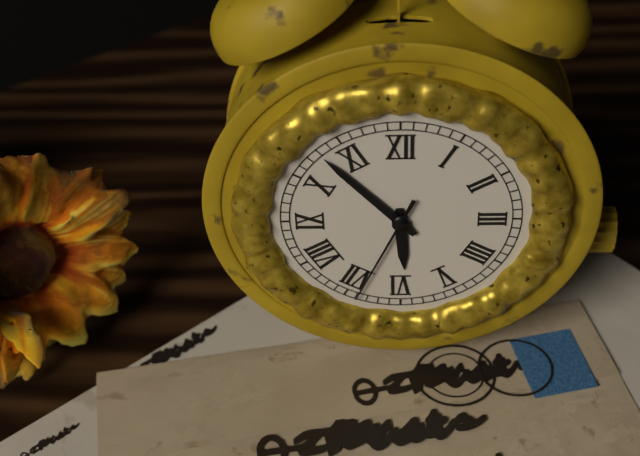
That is 5:53:34
